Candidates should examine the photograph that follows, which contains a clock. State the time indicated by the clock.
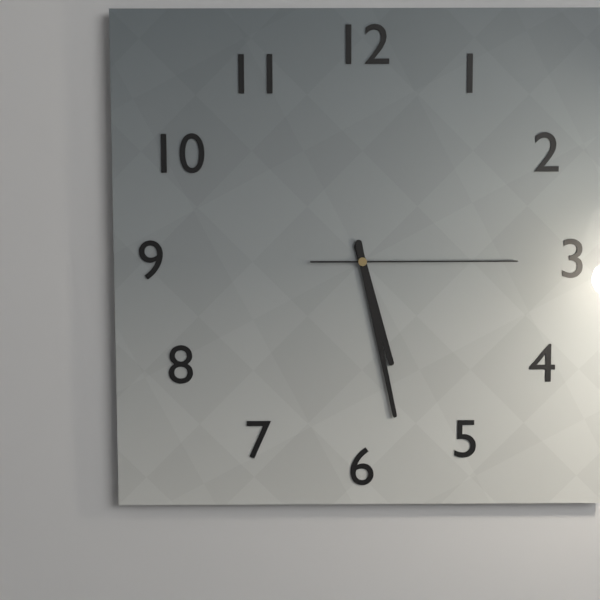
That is 5:28:15
